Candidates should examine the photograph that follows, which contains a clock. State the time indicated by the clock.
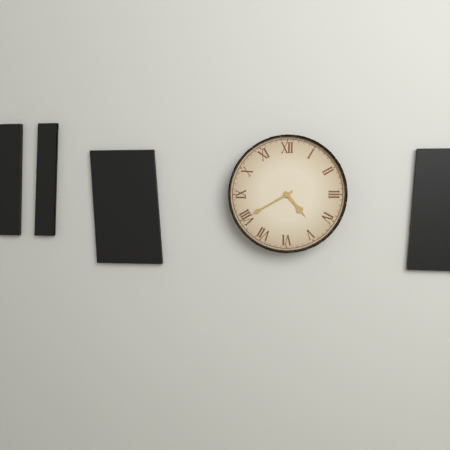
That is 4:40
